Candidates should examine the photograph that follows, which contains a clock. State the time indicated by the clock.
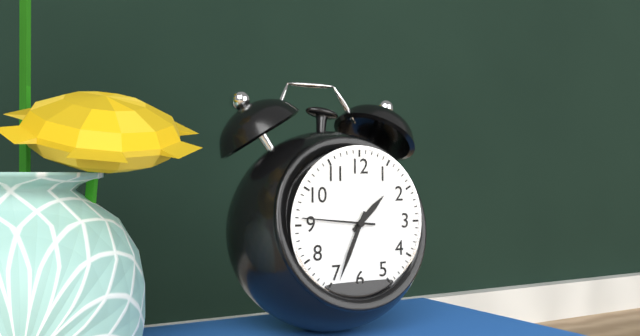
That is 1:34:46
